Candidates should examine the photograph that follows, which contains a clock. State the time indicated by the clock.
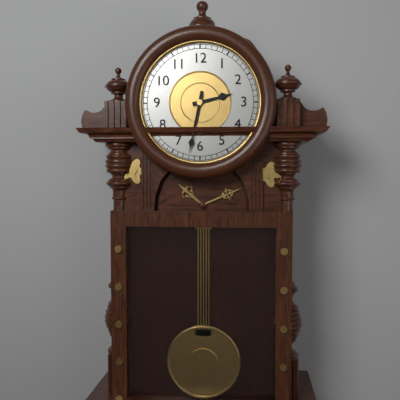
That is 2:32
